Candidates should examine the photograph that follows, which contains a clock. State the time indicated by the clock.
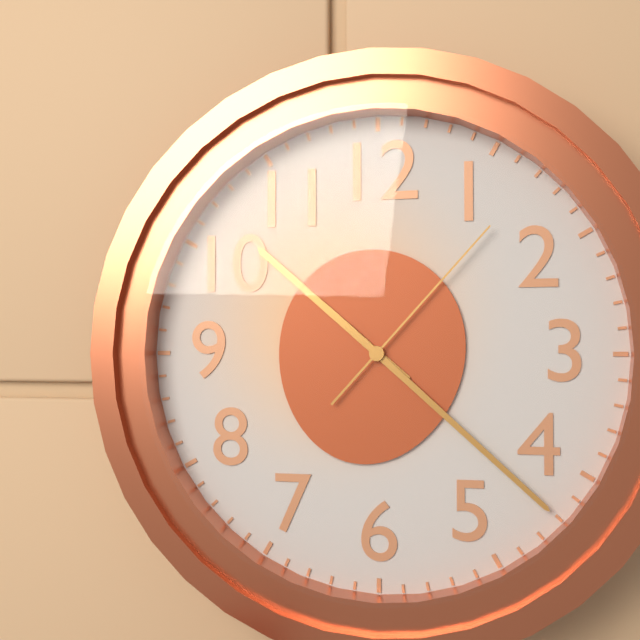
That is 10:22:07
